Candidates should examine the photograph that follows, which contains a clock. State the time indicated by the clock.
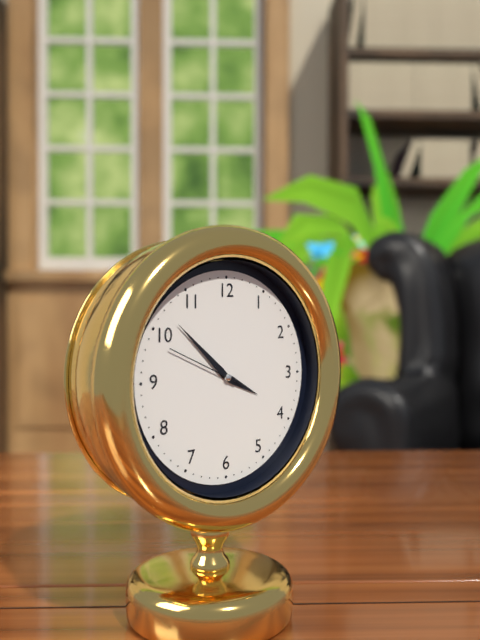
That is 3:52:49
